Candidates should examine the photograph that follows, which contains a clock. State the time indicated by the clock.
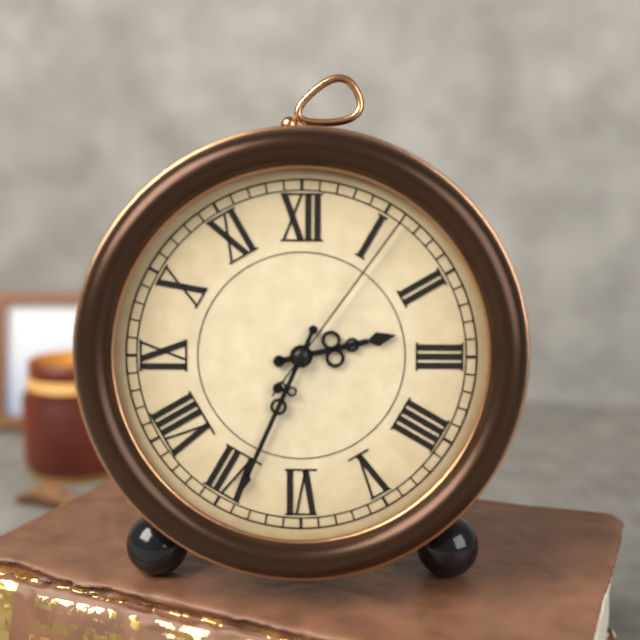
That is 2:34:06
